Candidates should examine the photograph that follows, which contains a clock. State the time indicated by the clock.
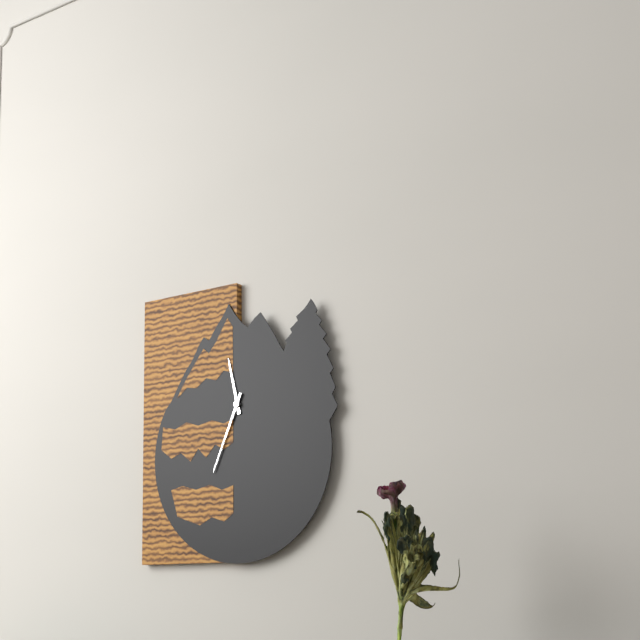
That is 11:34
